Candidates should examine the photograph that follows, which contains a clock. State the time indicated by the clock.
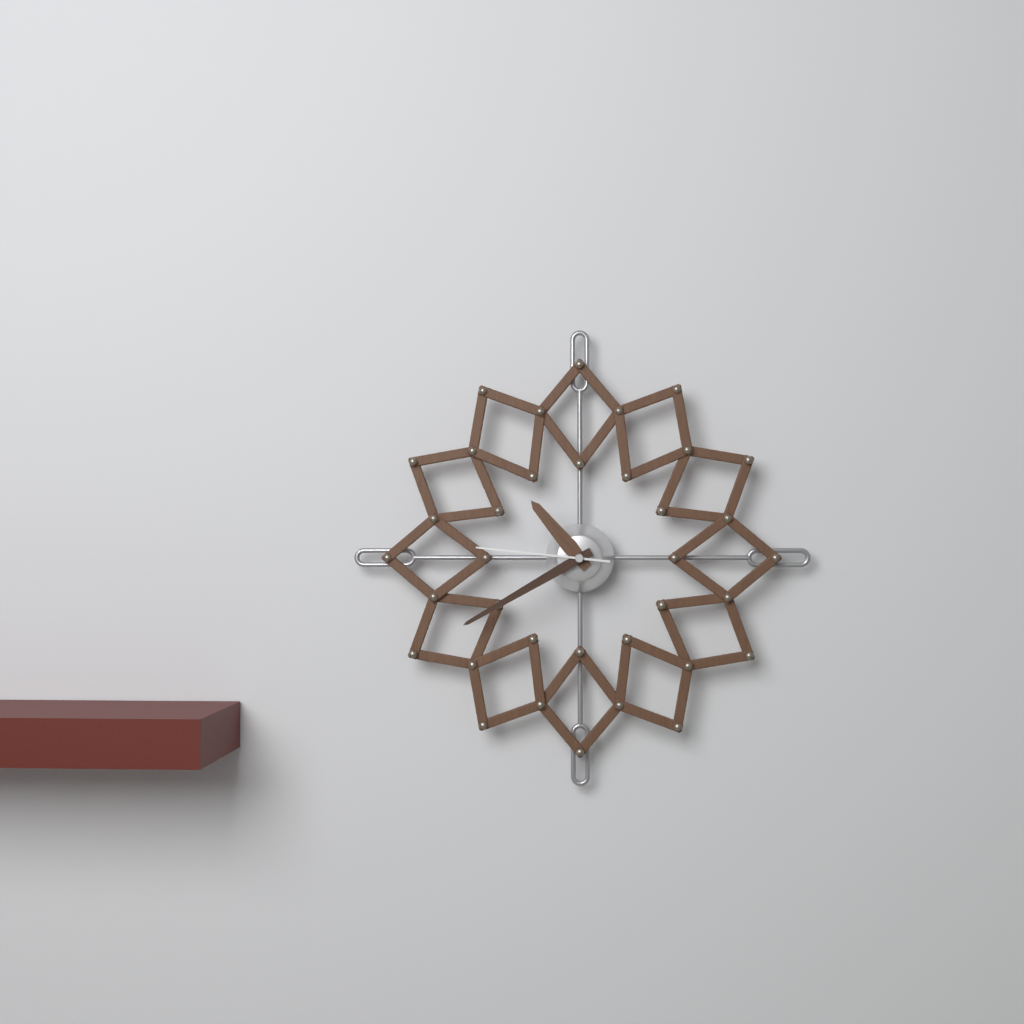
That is 10:40:46
